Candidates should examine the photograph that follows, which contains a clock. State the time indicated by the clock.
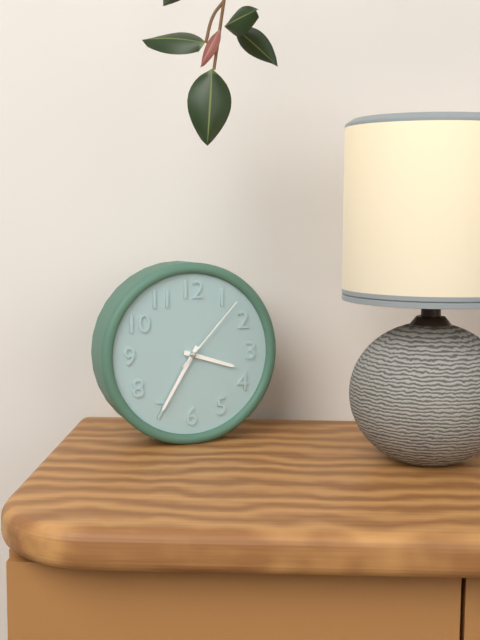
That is 3:35:07
